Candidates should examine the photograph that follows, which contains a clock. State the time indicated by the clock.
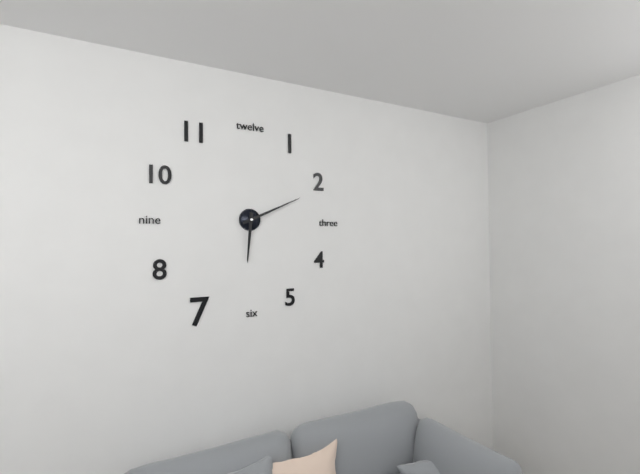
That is 6:11
